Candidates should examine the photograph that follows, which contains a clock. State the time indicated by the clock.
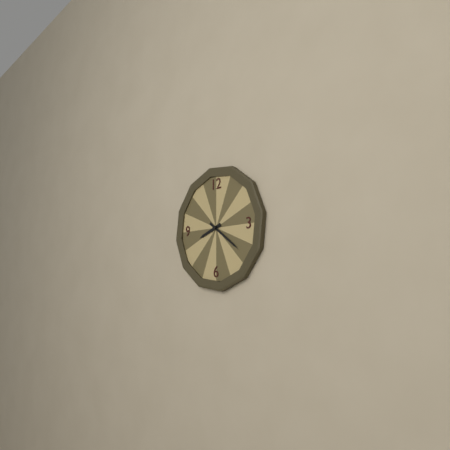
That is 8:21
